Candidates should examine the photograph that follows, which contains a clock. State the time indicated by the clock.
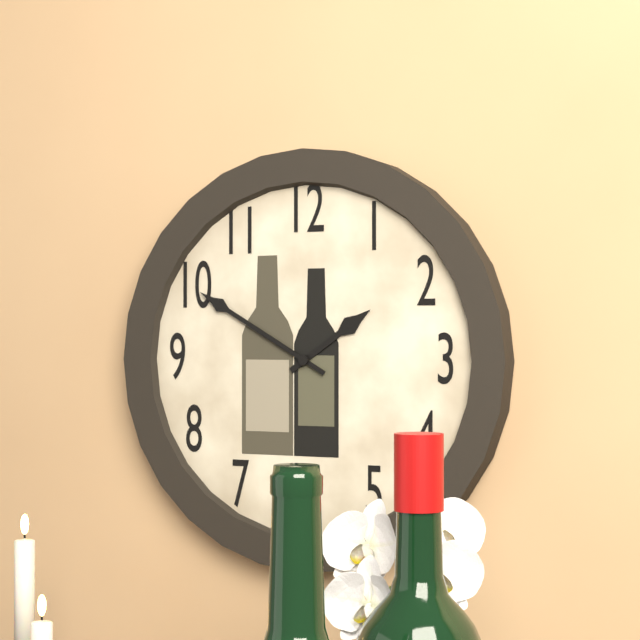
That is 1:50
